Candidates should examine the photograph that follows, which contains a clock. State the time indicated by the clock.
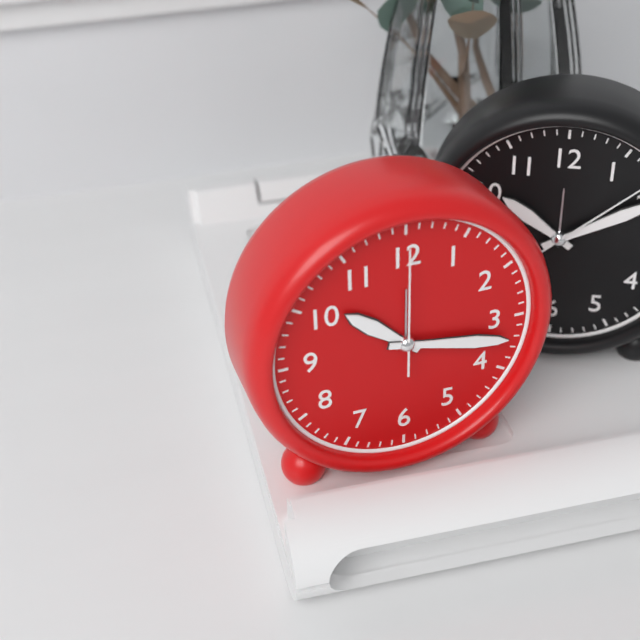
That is 10:17:00
